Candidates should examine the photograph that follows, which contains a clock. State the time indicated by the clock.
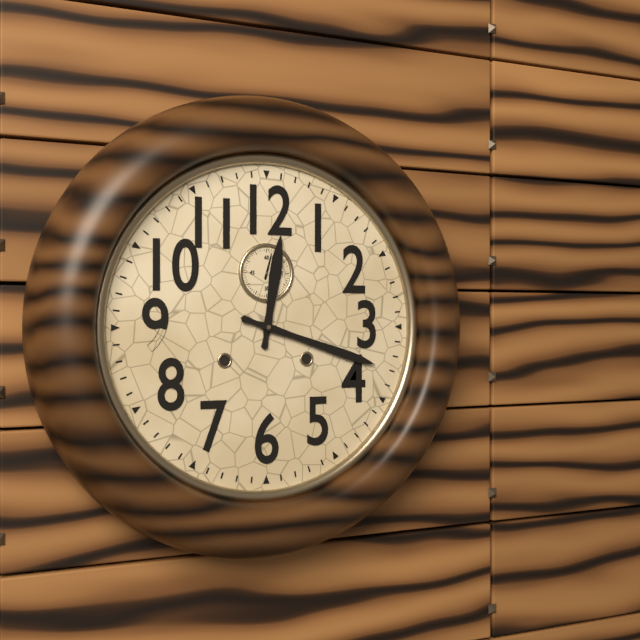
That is 12:18
